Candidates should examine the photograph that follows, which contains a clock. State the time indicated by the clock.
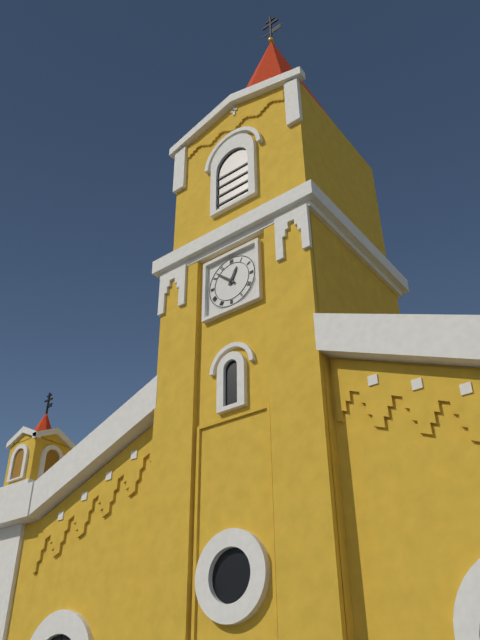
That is 12:52
